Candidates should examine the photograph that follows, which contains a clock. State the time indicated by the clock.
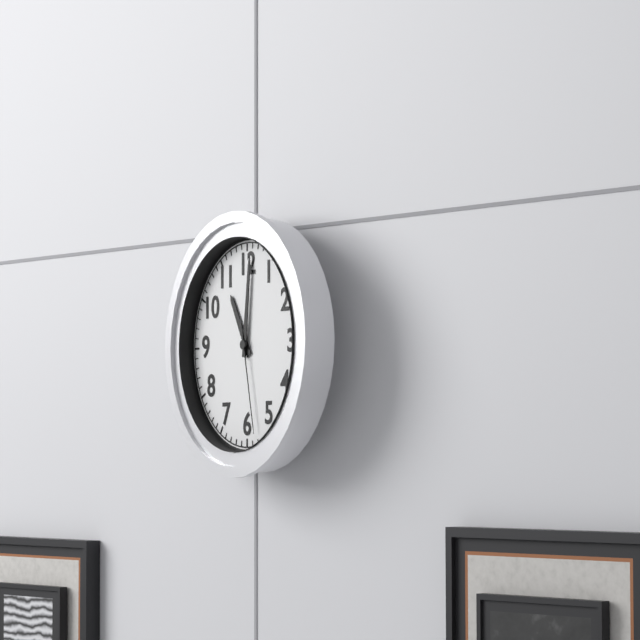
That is 11:01:28
